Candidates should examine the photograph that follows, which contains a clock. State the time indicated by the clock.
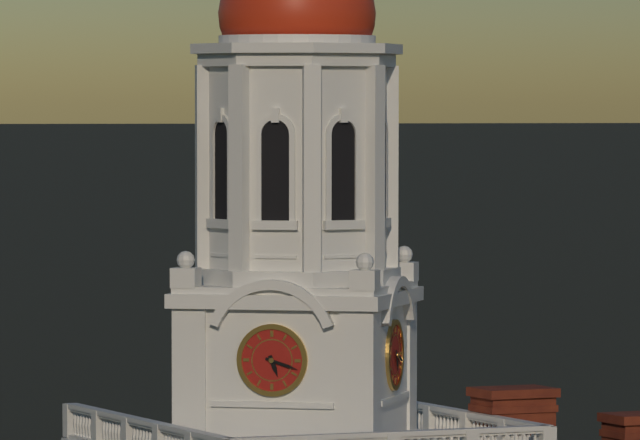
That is 5:18
